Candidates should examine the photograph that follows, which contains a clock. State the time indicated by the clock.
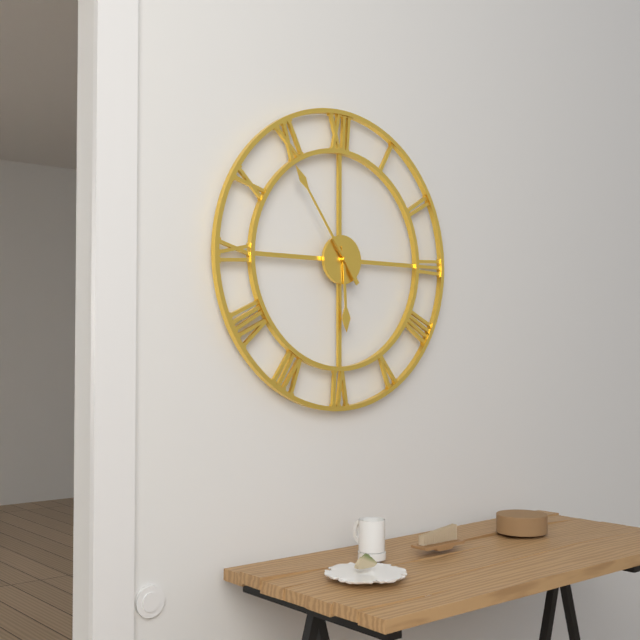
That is 5:54
